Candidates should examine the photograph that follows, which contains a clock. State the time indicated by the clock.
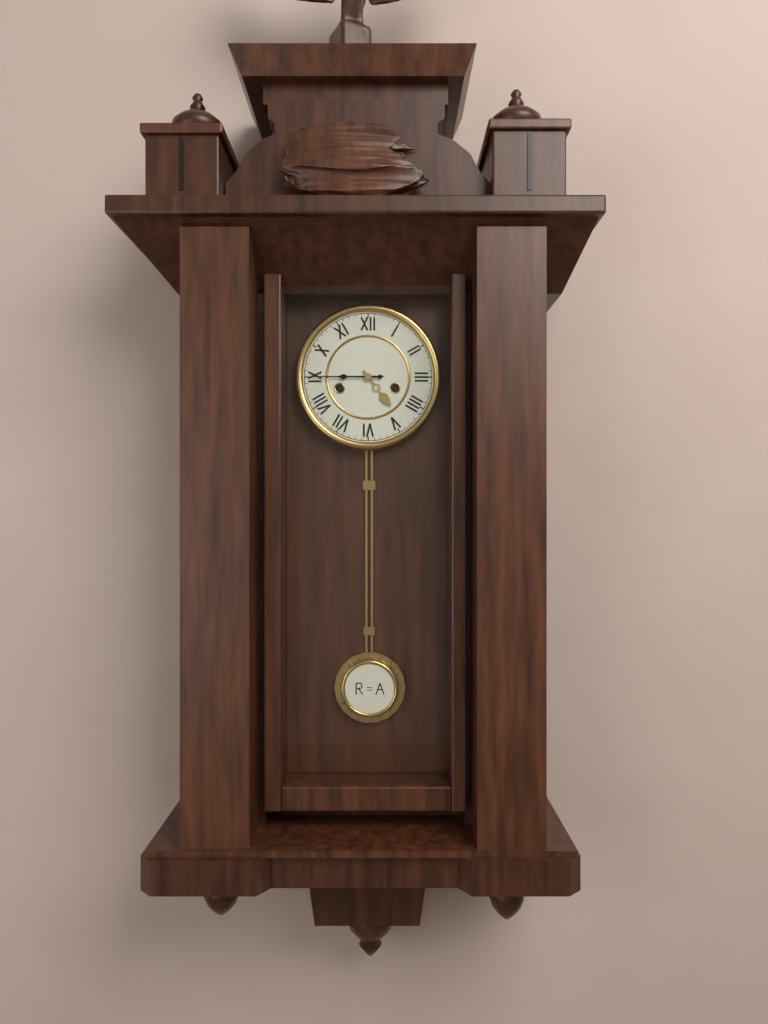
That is 4:45
